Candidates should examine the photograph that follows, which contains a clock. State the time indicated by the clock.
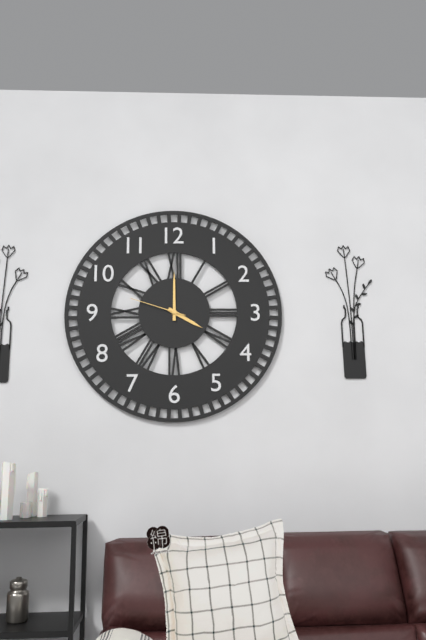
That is 4:00:48
